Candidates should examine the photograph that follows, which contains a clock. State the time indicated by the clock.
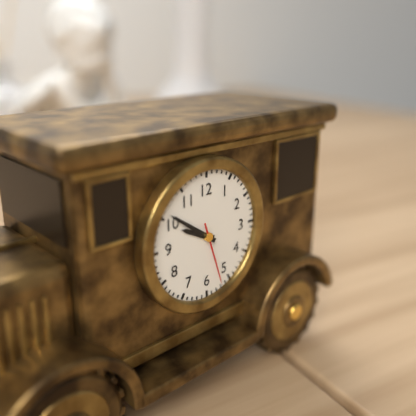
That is 9:51:27
